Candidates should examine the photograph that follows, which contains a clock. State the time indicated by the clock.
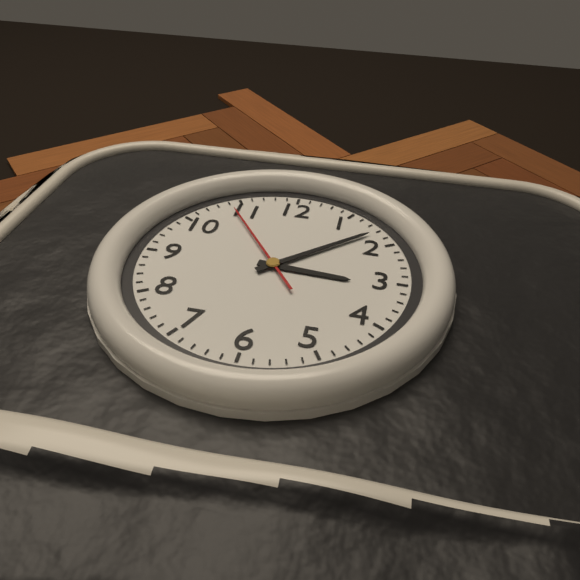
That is 3:08:54
